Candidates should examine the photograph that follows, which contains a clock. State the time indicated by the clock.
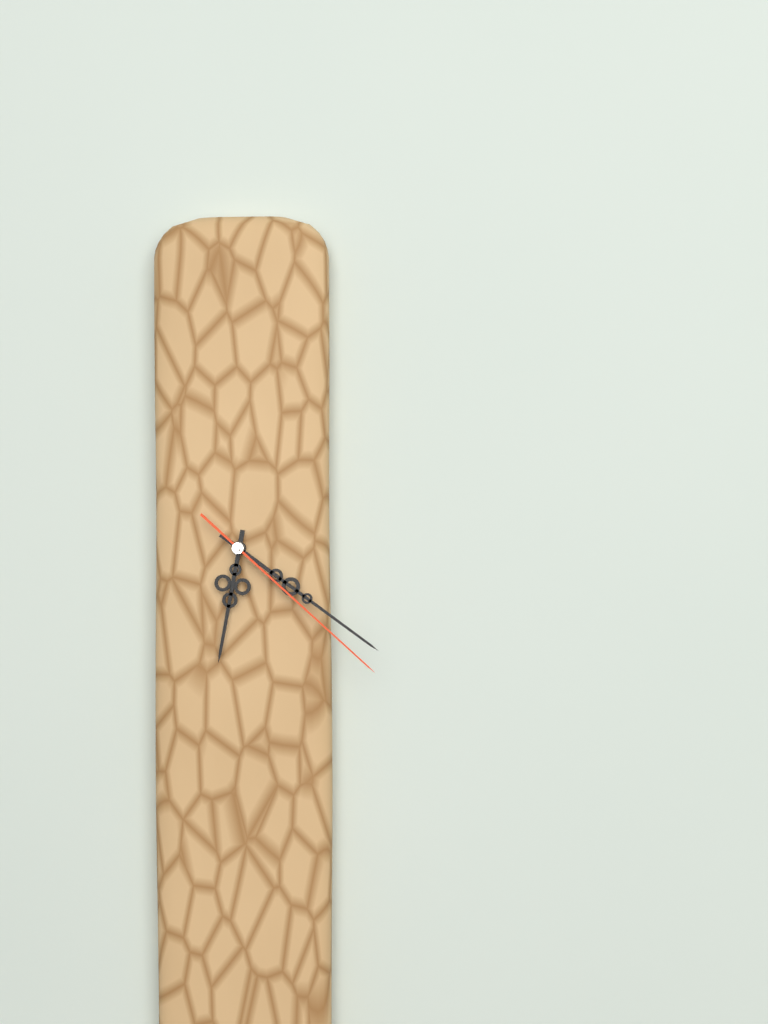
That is 6:21:22
